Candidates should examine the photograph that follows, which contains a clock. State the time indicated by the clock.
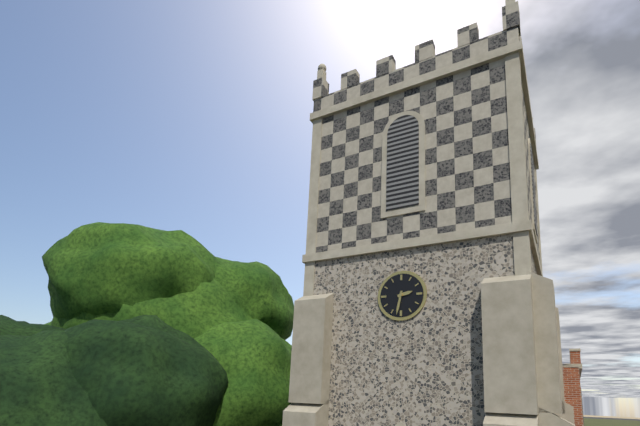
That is 2:32
